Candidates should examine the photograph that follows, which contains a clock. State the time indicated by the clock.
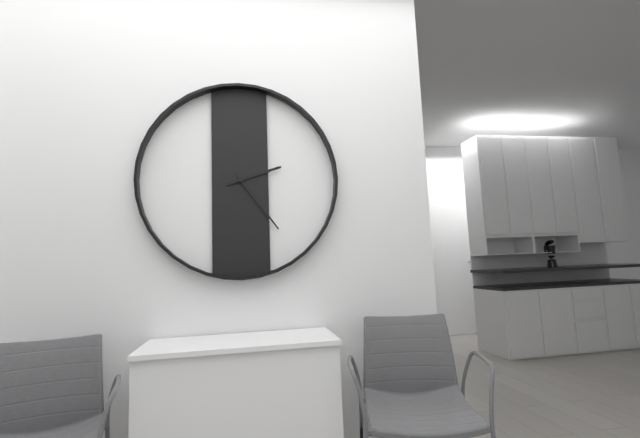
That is 2:24
